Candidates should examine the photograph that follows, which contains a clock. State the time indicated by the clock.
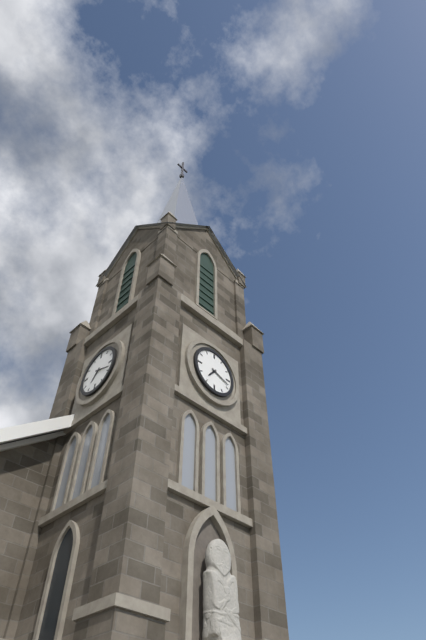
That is 7:18
